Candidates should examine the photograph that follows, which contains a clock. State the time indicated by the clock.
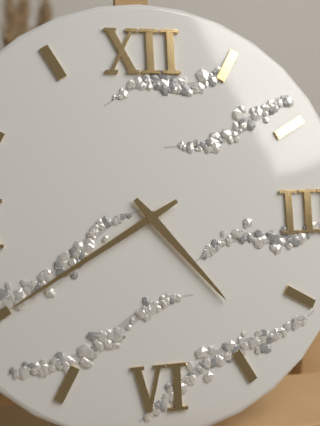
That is 4:40
